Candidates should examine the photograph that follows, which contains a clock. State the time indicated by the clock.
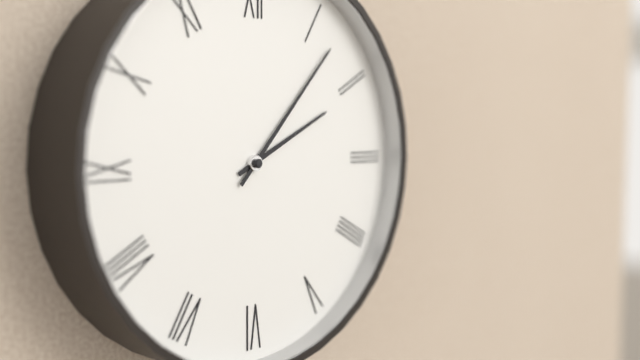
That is 2:07
